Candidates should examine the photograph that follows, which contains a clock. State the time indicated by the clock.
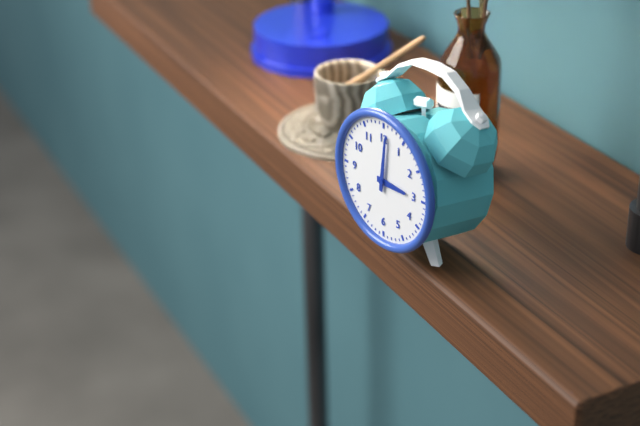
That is 3:01
